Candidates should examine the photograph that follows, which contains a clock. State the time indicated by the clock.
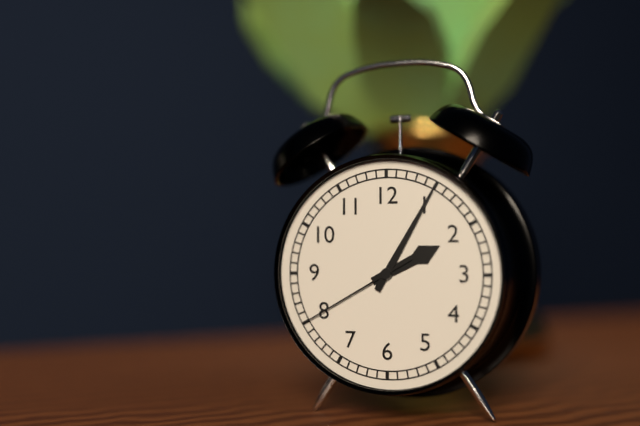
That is 2:05:40
